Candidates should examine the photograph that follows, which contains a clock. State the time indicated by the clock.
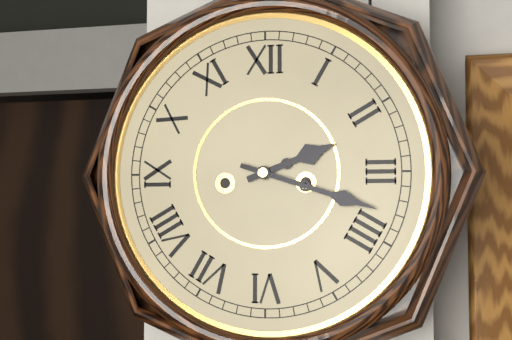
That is 2:18
